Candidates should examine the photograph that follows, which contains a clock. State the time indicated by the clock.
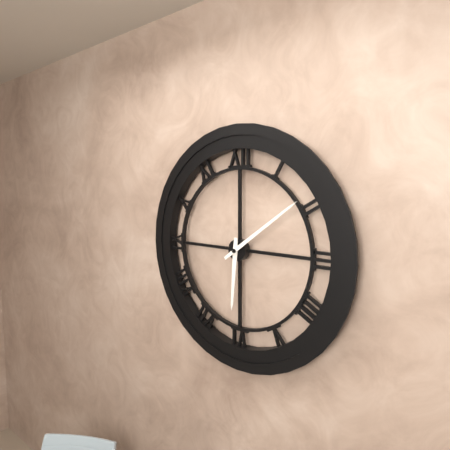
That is 6:09
